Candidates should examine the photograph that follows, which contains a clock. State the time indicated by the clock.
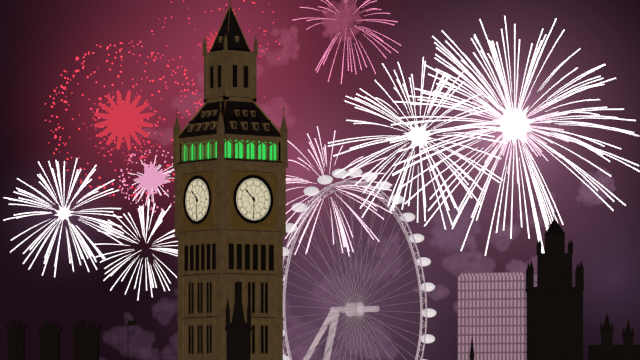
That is 10:30
